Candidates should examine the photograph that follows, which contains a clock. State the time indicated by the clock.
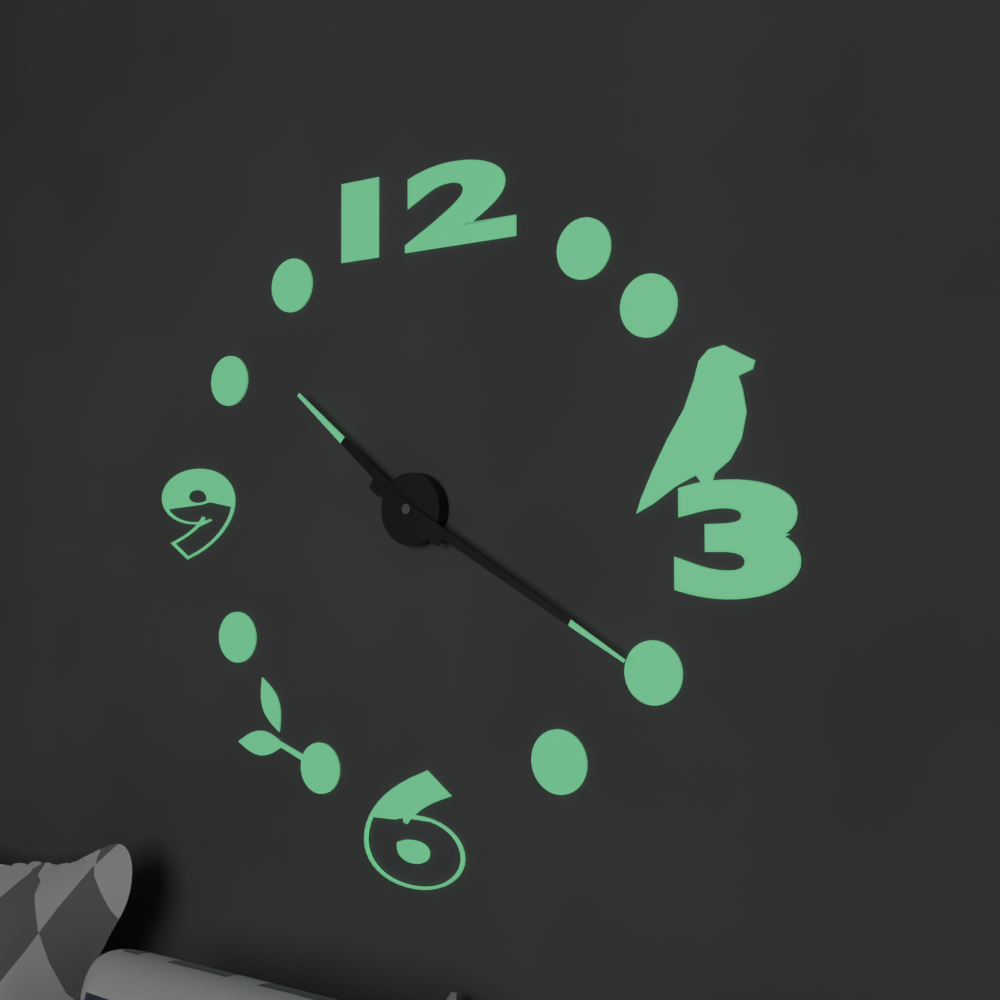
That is 10:20
